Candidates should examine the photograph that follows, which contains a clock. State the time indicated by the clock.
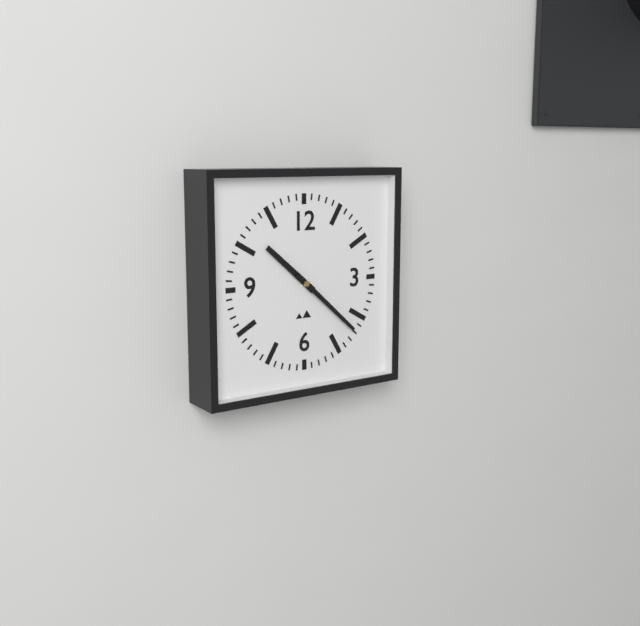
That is 10:22
